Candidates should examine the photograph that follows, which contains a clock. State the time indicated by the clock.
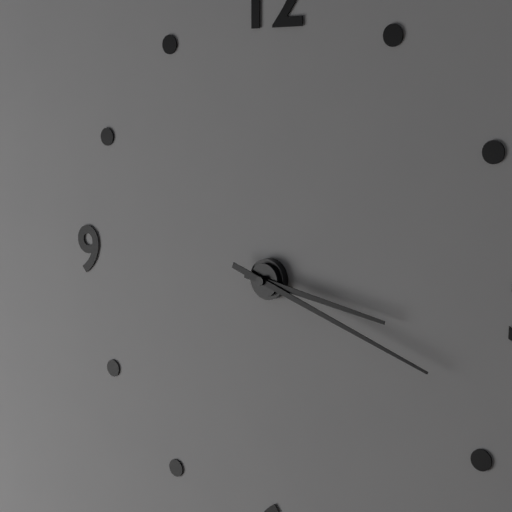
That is 3:18
